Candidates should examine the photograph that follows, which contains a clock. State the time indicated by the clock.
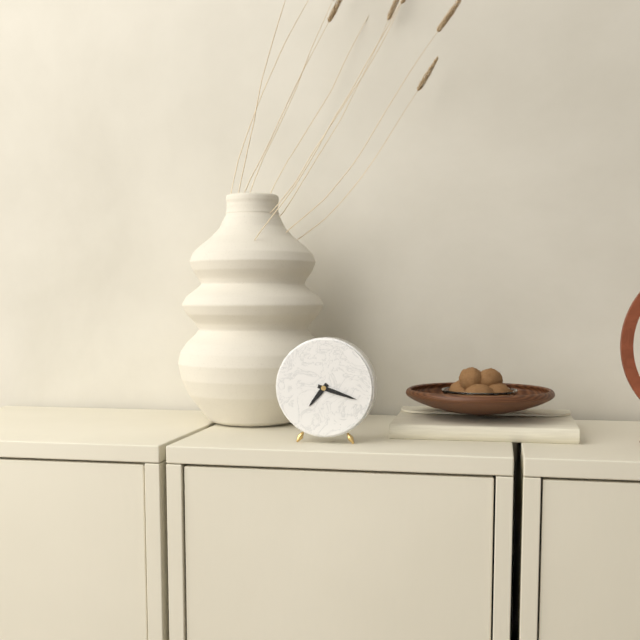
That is 7:18
